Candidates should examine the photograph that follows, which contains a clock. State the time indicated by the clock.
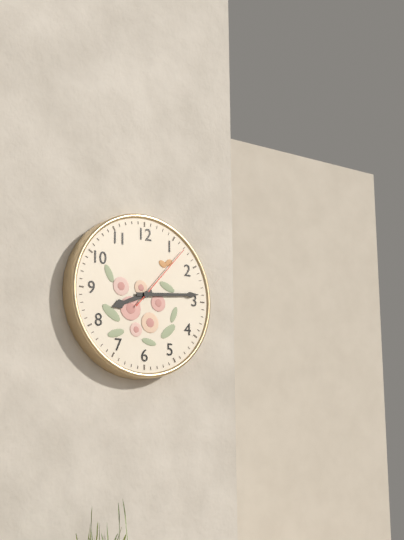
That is 8:14:07
